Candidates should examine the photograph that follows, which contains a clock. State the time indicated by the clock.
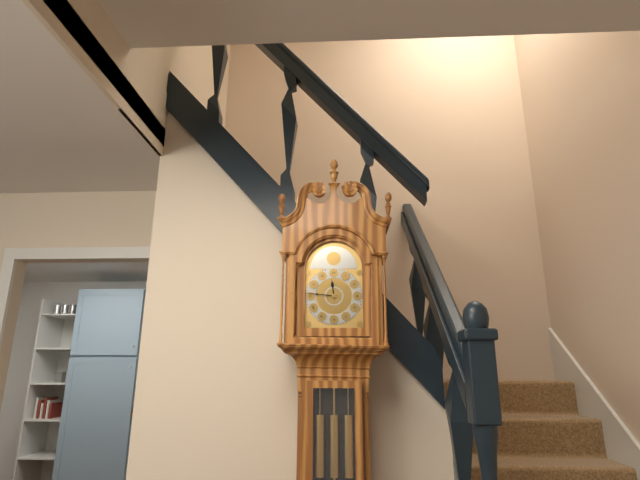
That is 11:46
